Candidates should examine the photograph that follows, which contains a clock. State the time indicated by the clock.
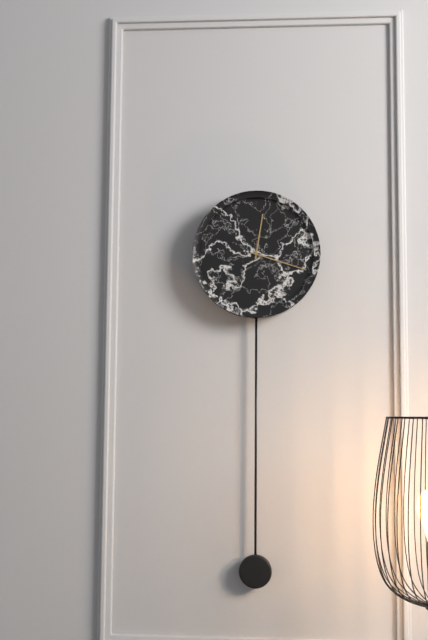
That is 12:18
